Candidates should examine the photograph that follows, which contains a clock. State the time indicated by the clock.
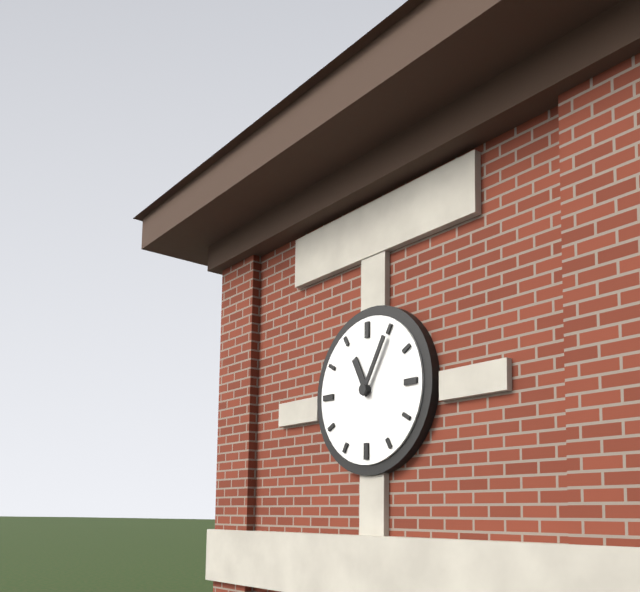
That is 11:05
